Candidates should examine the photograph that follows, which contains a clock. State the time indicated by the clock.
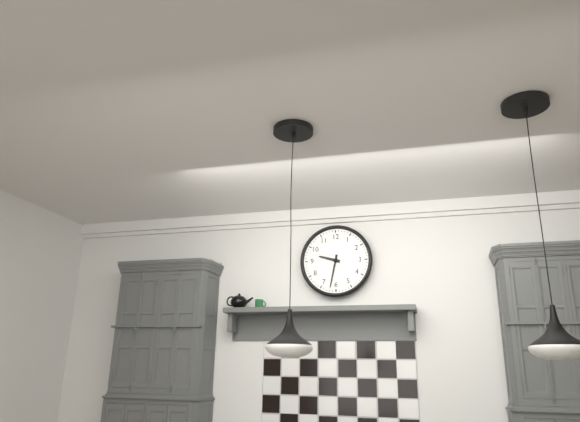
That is 9:32
